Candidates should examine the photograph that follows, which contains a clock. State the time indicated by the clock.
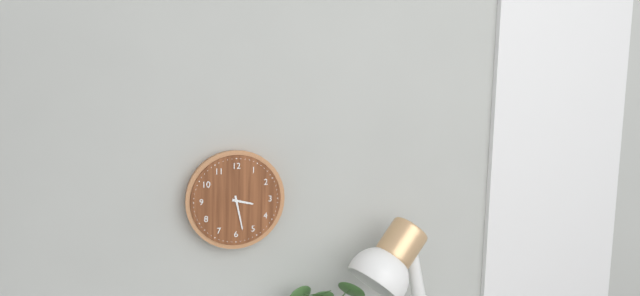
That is 3:28
